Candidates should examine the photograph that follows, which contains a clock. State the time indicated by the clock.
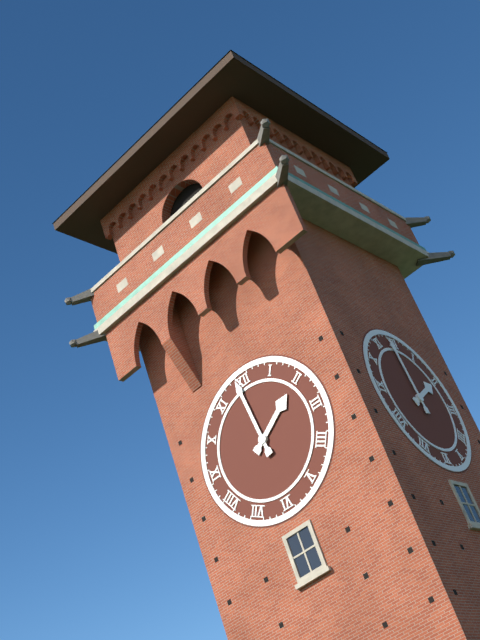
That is 1:59
